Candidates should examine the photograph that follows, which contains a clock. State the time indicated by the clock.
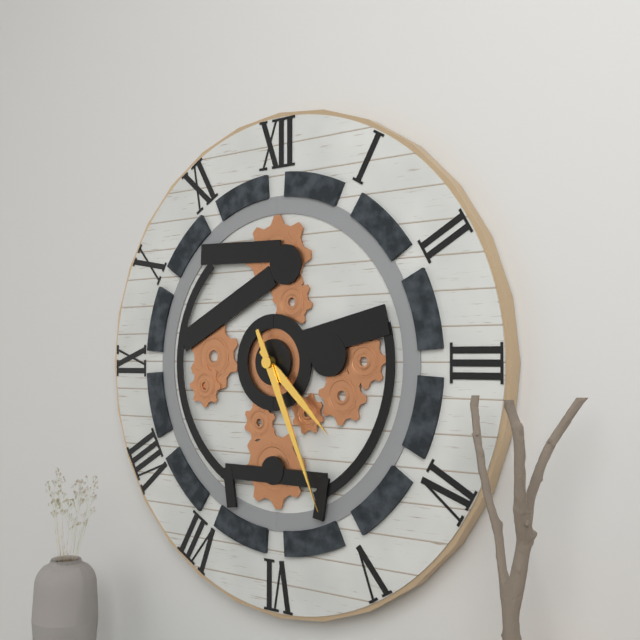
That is 4:26
